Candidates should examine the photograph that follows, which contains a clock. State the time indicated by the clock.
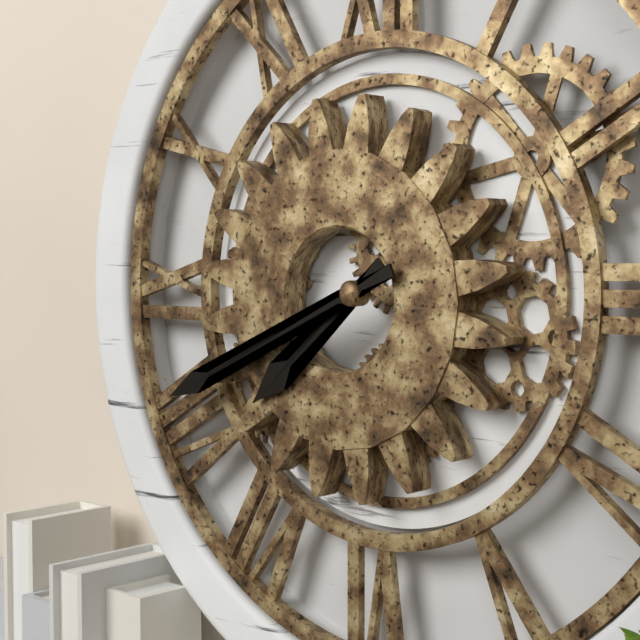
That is 7:41
